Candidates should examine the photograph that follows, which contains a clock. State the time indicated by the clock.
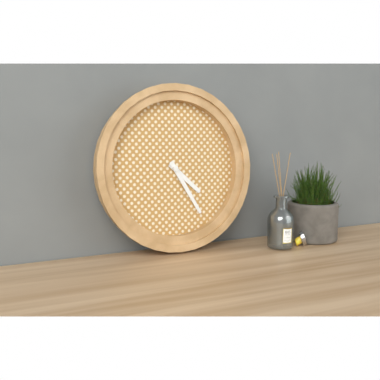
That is 4:25
